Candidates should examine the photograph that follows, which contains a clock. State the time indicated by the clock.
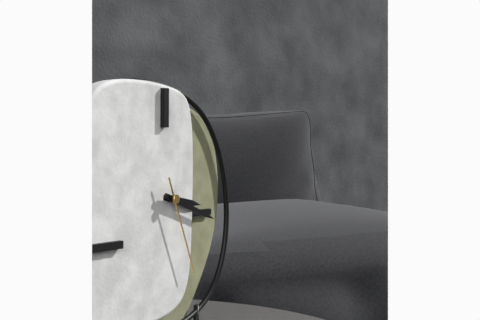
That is 3:18:26
